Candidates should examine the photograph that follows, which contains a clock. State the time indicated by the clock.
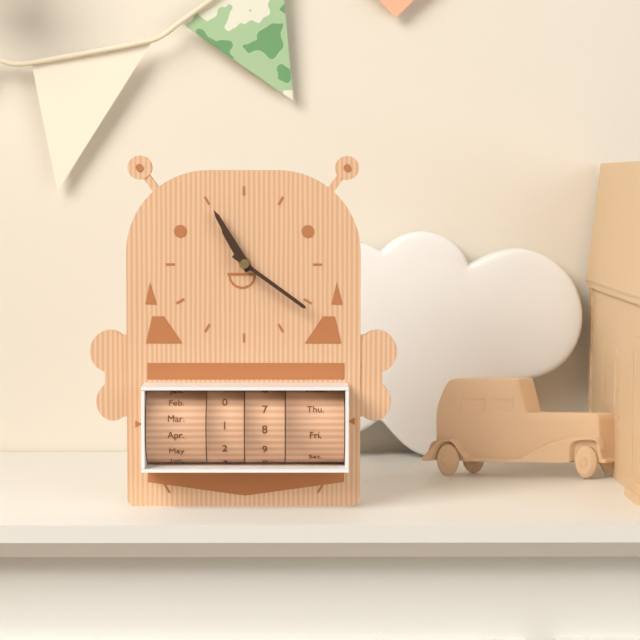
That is 10:55:21
